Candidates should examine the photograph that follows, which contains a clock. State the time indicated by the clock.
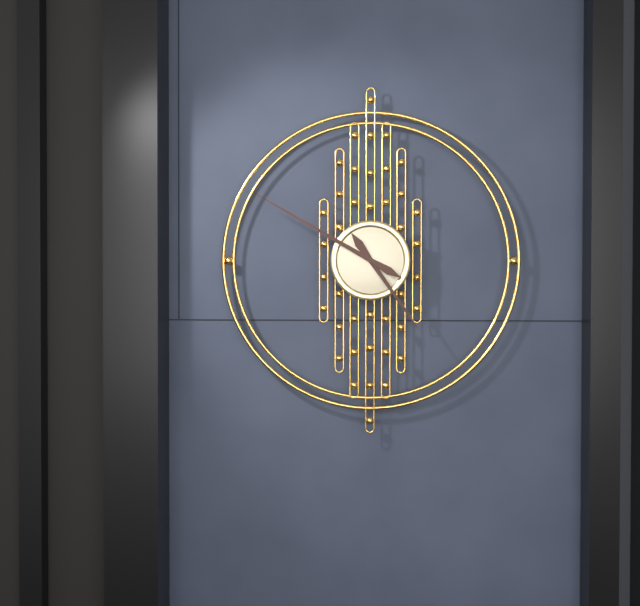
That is 4:50
